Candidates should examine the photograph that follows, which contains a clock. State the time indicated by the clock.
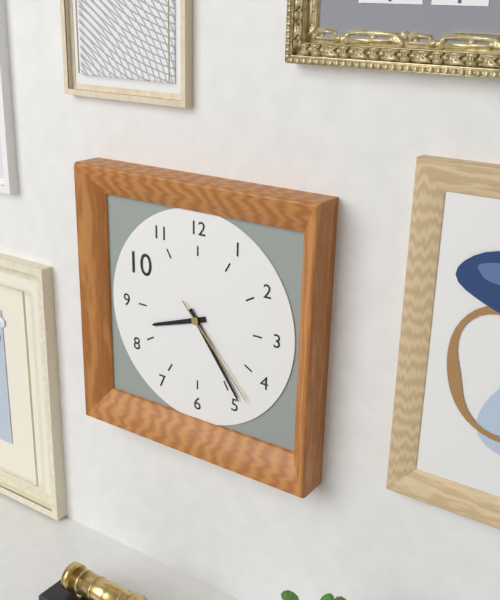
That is 8:24:23
